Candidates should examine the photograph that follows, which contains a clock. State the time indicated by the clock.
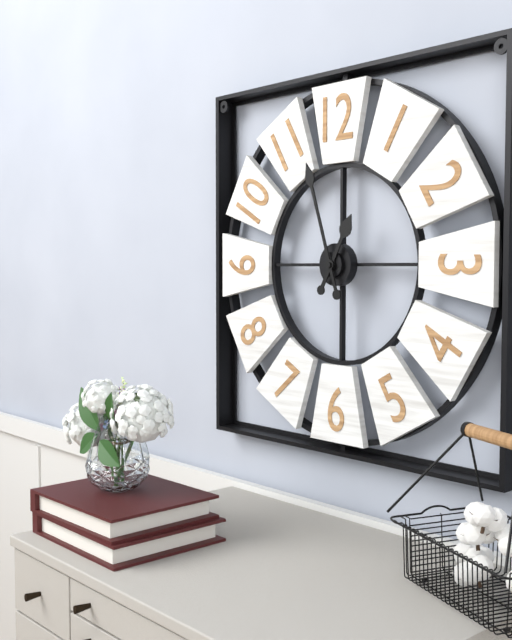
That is 12:57
